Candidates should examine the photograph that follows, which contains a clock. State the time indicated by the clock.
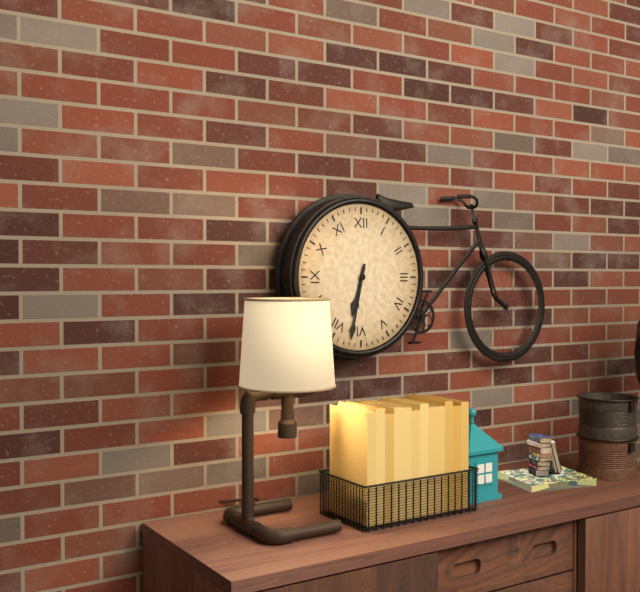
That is 6:32
